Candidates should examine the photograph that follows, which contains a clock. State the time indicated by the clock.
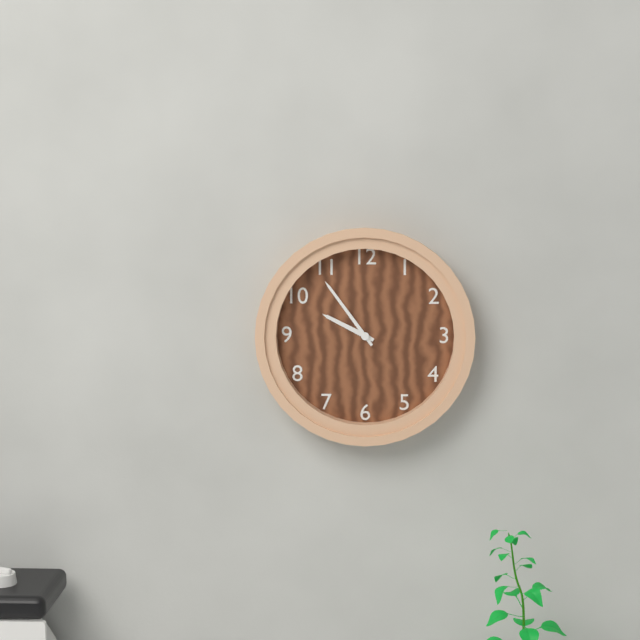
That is 9:54
